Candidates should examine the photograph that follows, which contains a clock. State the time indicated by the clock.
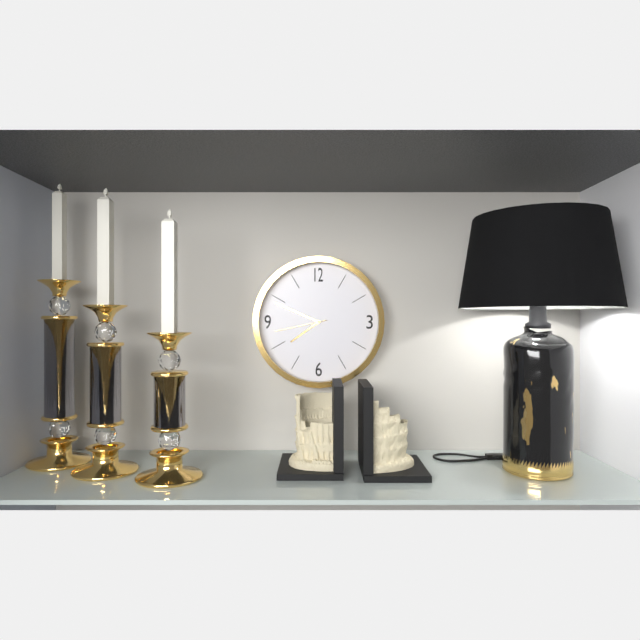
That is 7:49:43
